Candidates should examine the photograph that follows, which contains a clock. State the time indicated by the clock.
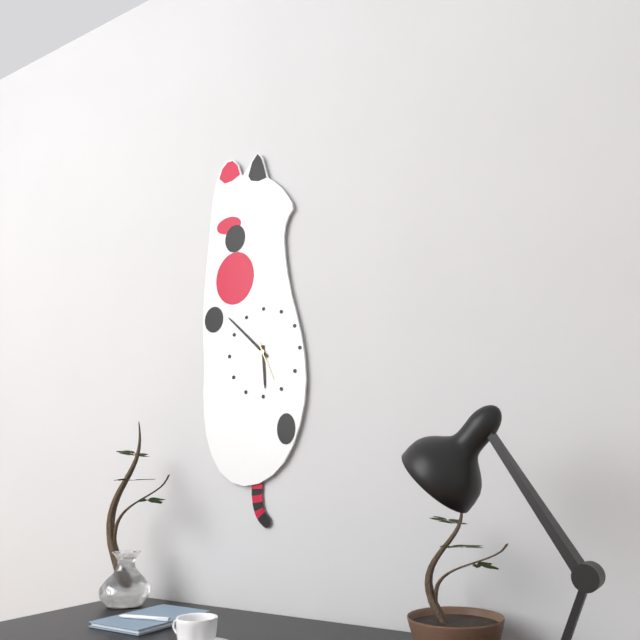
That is 5:52
